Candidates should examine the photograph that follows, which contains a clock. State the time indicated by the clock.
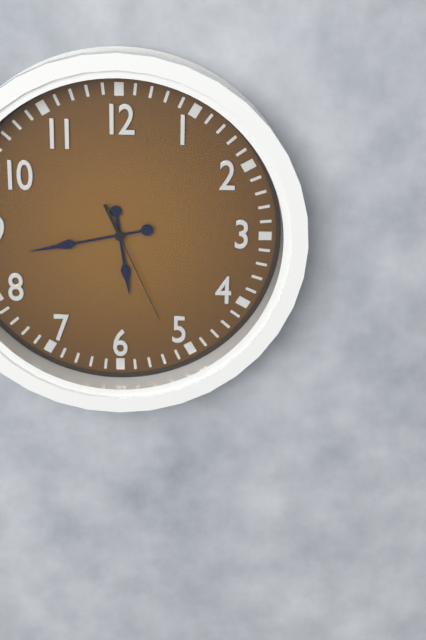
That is 5:43:26
